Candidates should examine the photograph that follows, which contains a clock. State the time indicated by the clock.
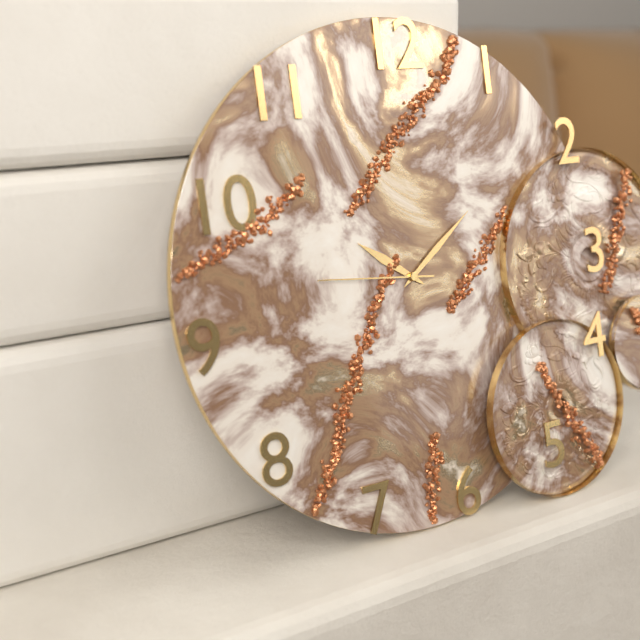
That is 10:09:46
